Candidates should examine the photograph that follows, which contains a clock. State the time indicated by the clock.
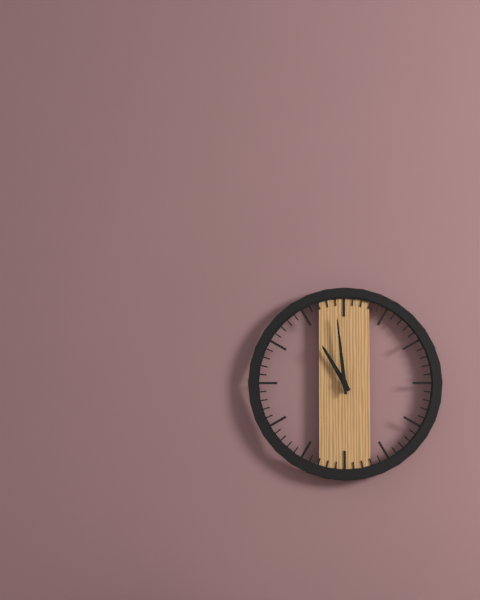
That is 10:59
